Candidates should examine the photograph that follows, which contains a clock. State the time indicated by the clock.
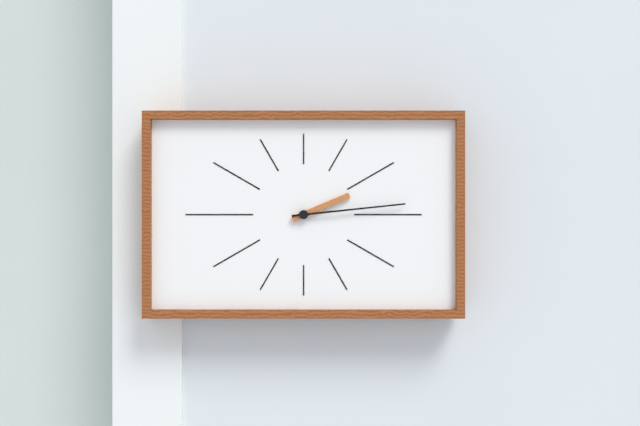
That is 2:14
